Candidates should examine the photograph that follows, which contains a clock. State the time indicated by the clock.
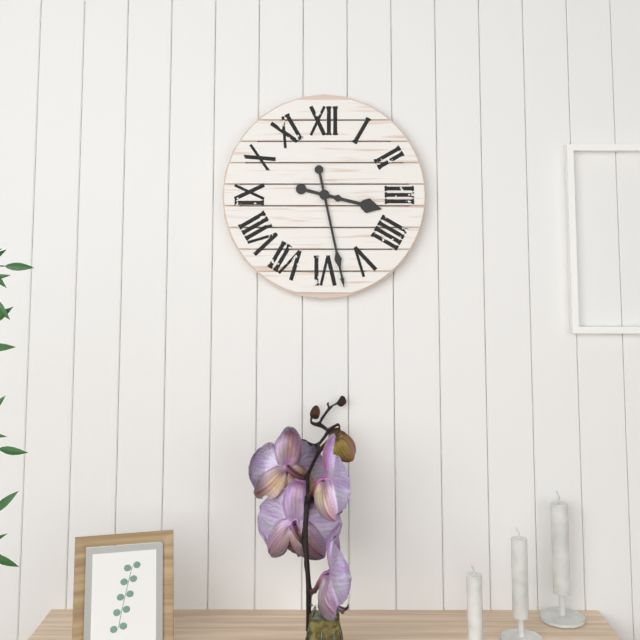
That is 3:28
